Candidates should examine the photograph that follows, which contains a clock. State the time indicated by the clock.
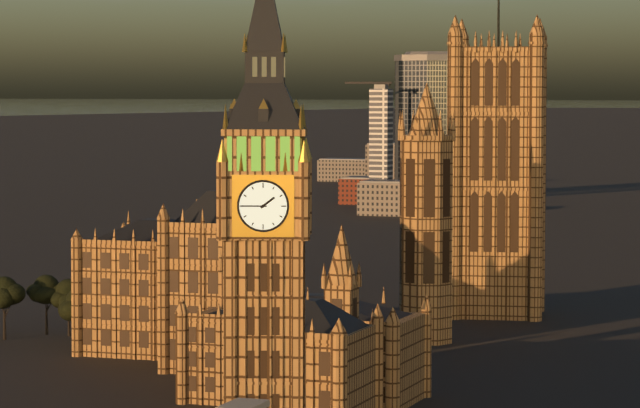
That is 1:45
